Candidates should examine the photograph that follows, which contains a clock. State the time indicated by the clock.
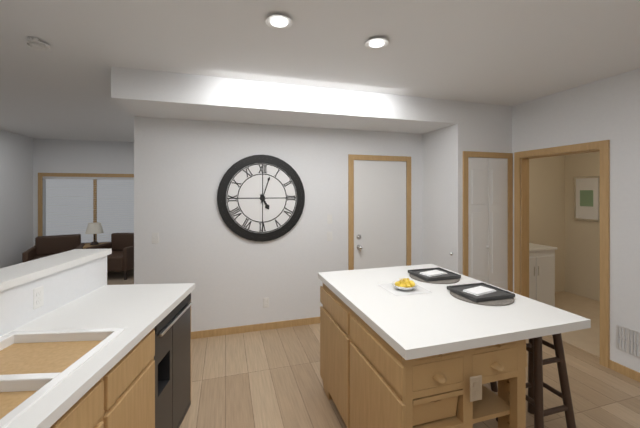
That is 5:03
